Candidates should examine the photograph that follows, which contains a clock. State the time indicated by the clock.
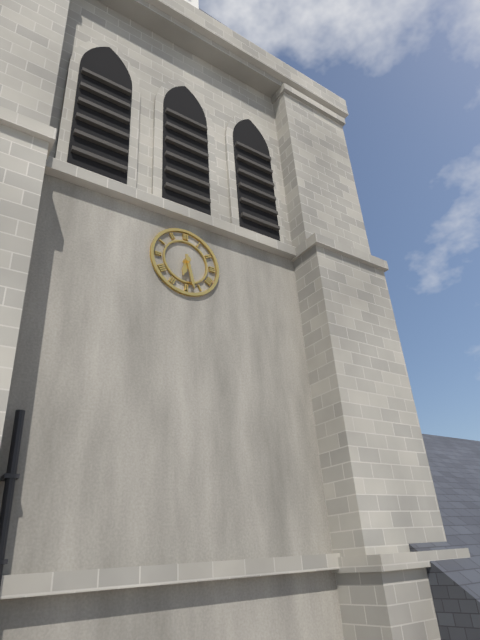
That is 6:28
